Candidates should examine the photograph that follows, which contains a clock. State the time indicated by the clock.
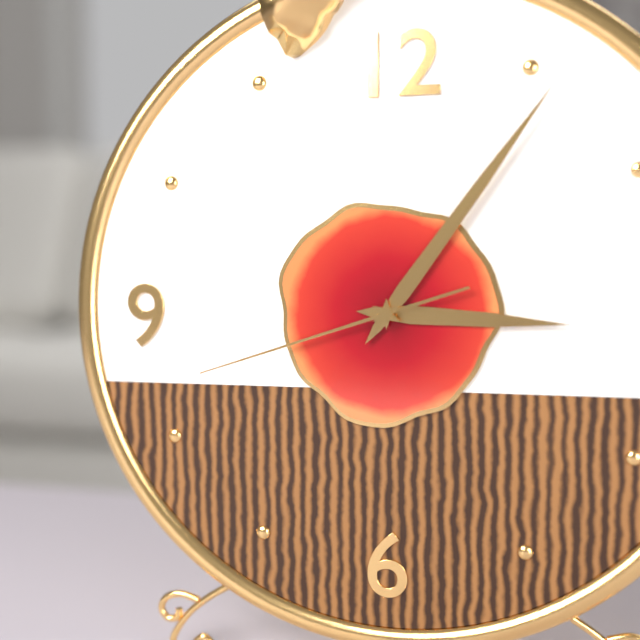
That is 3:06:42
